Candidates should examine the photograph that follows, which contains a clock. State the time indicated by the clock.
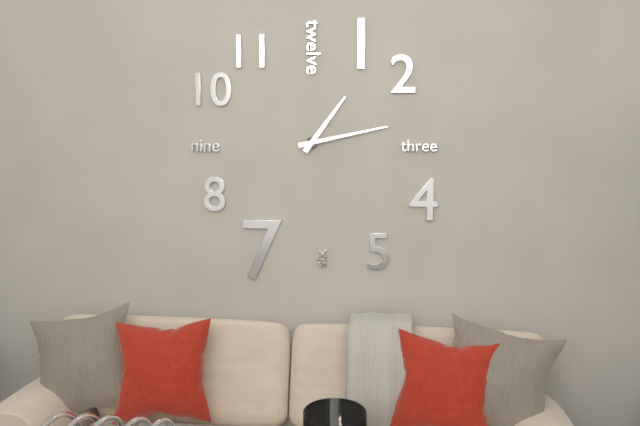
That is 1:13
